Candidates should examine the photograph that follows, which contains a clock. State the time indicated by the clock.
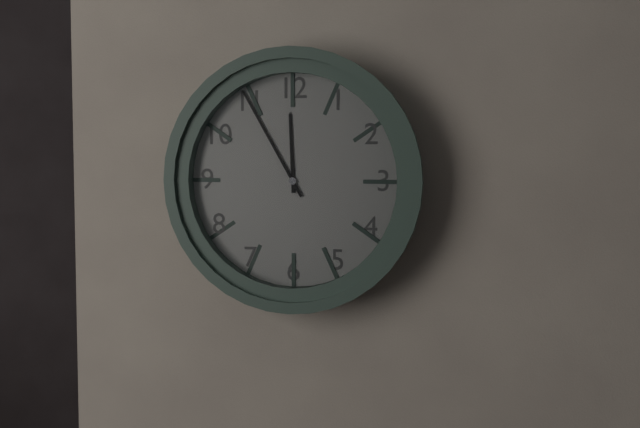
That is 11:55
